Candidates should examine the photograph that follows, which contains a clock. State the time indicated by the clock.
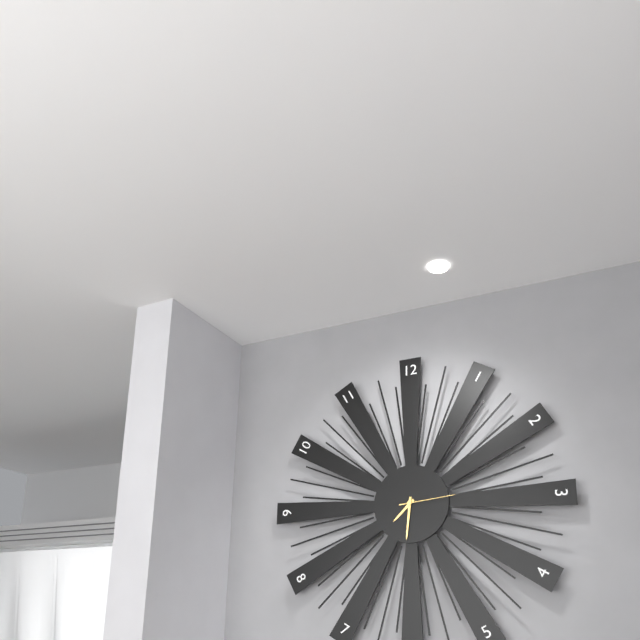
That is 7:31:14
